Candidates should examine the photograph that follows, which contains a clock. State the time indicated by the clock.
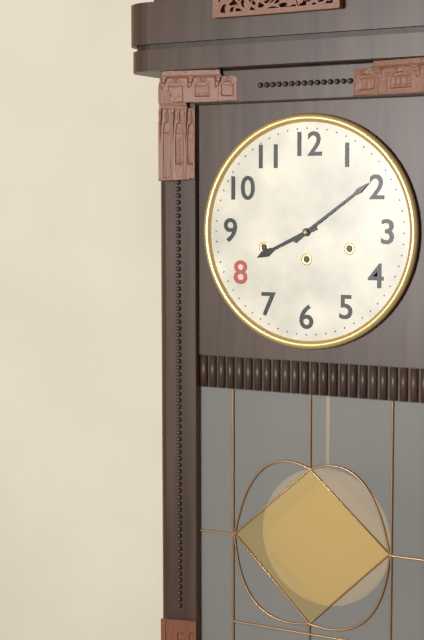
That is 8:09
